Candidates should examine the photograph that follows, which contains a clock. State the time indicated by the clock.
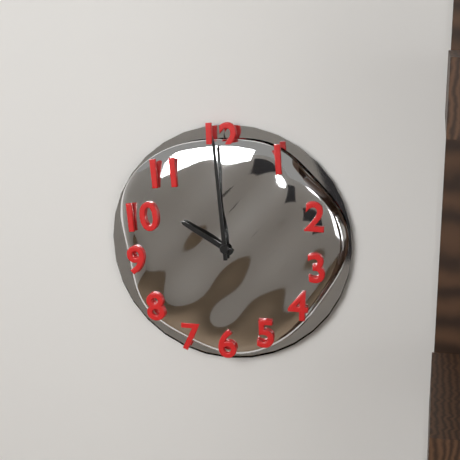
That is 9:59
